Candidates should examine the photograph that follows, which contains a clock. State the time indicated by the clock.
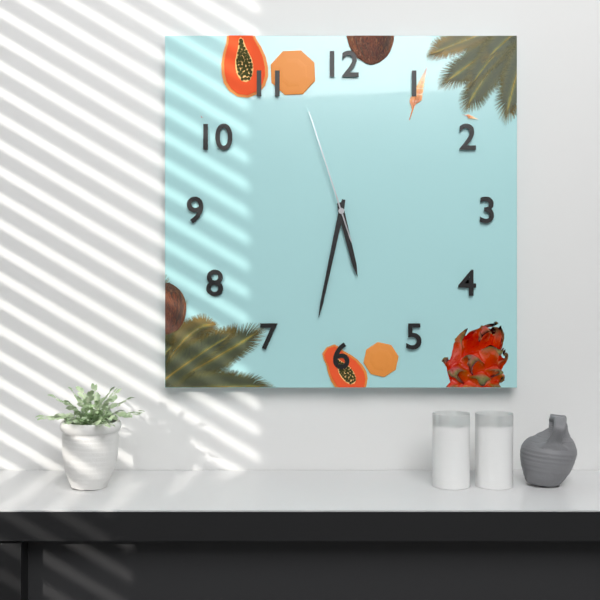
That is 5:32:57
